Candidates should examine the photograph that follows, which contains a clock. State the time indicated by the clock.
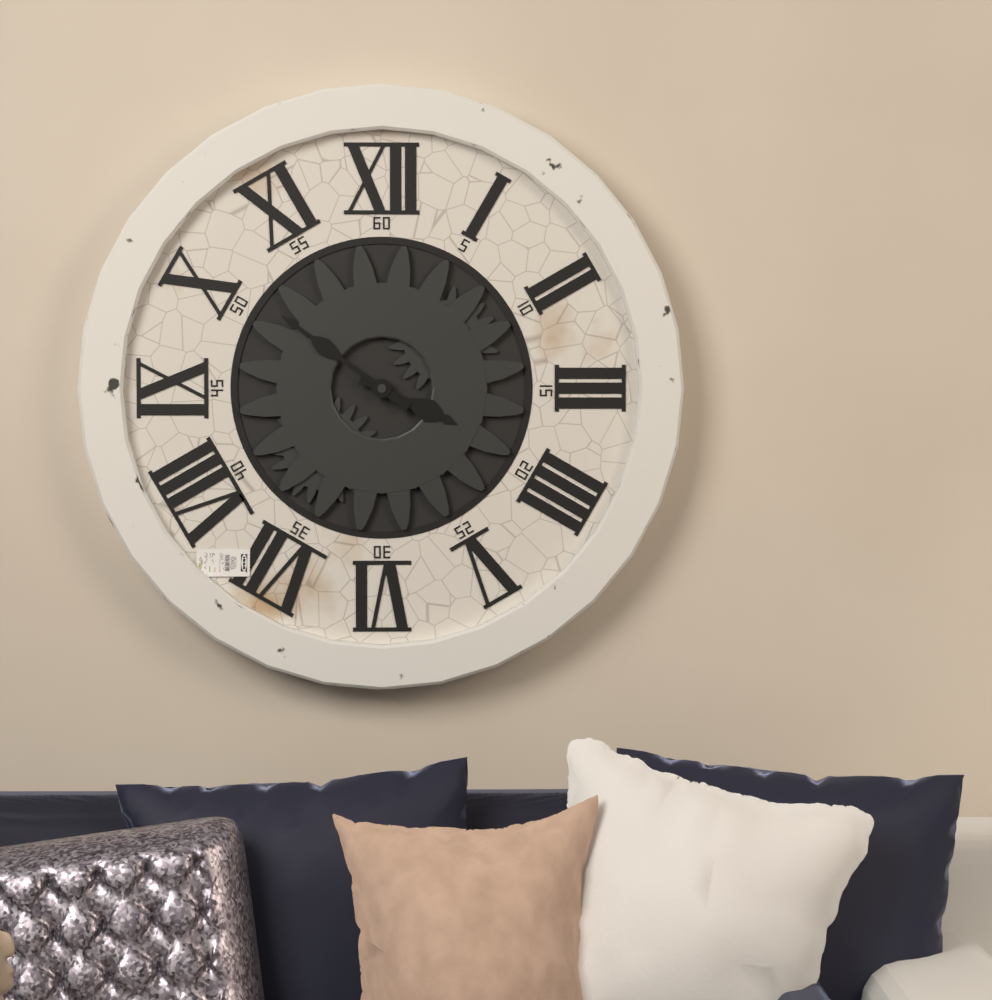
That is 3:51
